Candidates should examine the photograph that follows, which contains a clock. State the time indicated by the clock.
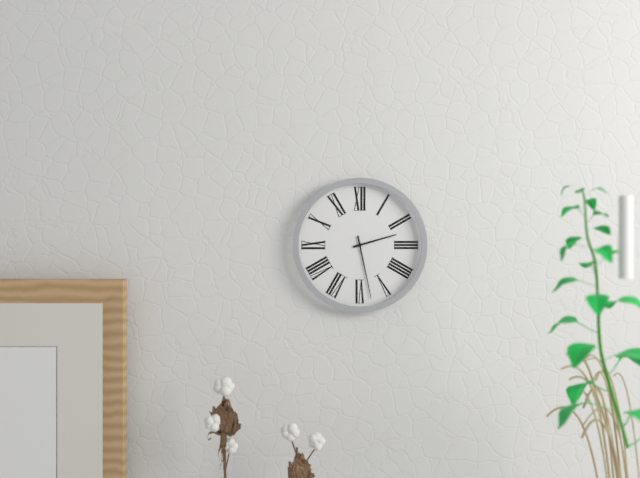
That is 2:28
